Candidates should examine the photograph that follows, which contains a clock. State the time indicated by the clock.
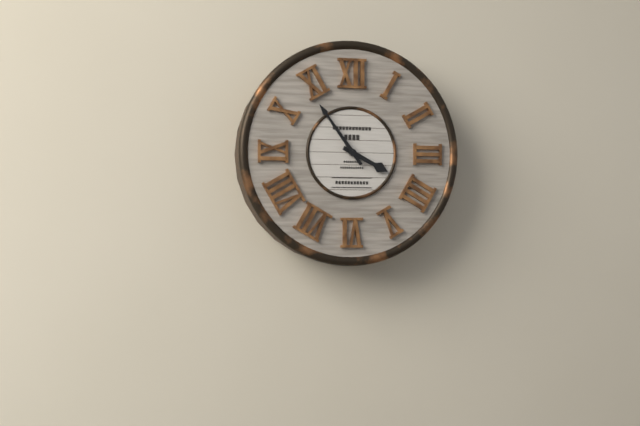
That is 3:54
